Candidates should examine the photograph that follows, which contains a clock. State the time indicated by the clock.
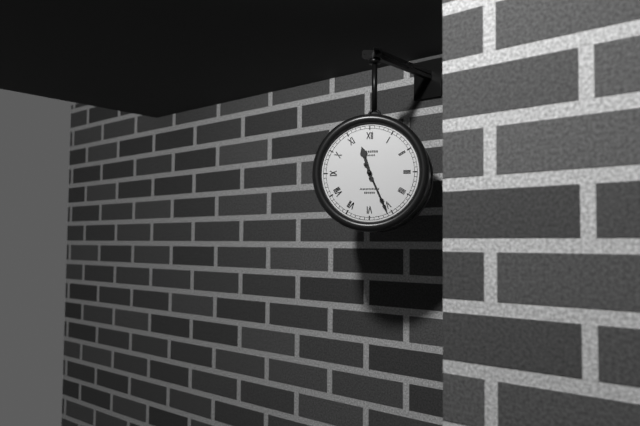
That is 11:26
